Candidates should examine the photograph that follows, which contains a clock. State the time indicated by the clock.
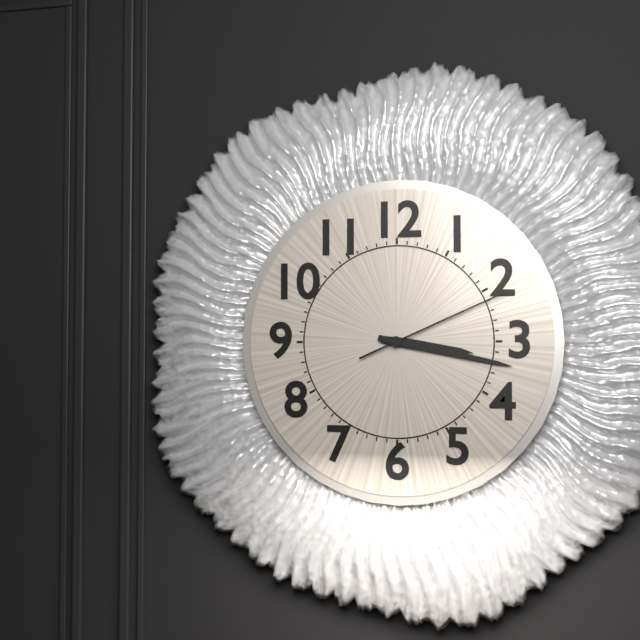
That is 3:17:11
